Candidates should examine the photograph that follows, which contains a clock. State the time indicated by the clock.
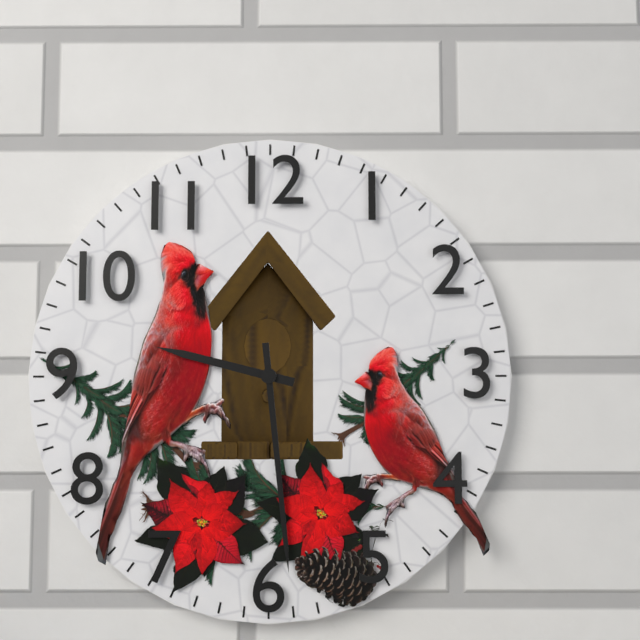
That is 9:29
